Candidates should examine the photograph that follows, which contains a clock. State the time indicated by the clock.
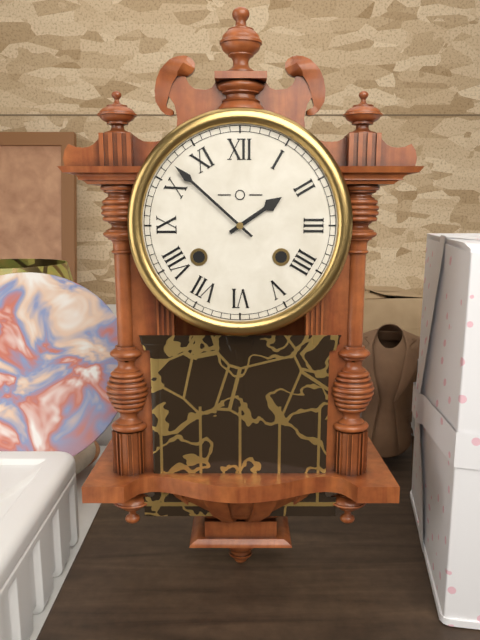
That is 1:52
